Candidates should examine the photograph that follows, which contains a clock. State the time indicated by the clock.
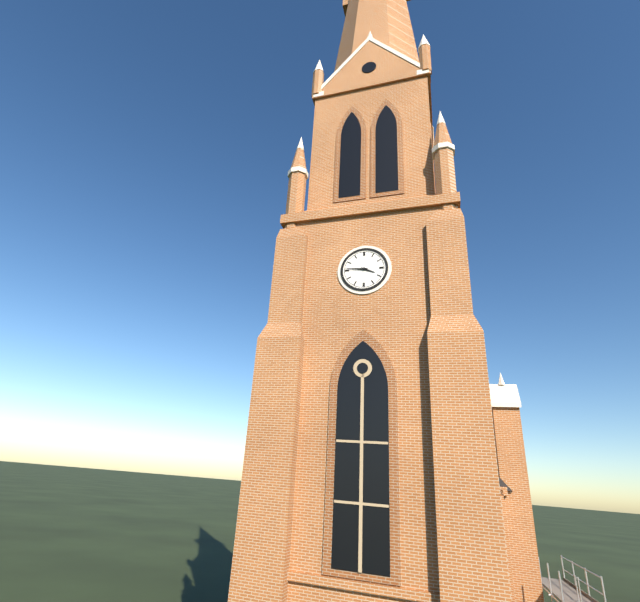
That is 3:46
